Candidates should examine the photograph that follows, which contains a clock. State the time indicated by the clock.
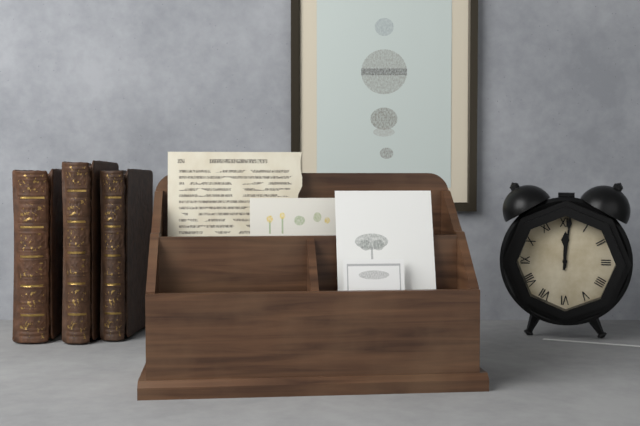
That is 12:01
